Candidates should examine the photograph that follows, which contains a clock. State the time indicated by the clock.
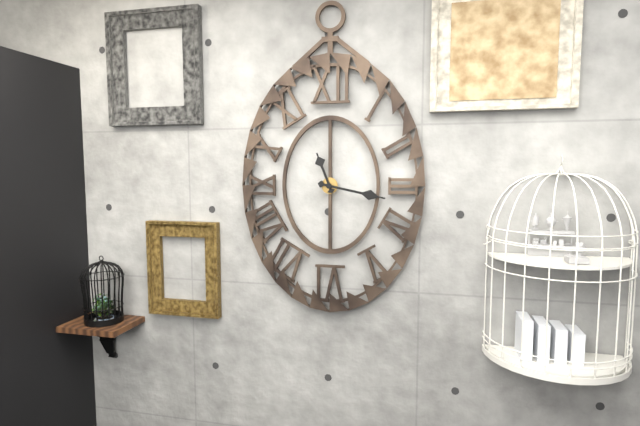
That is 11:17
